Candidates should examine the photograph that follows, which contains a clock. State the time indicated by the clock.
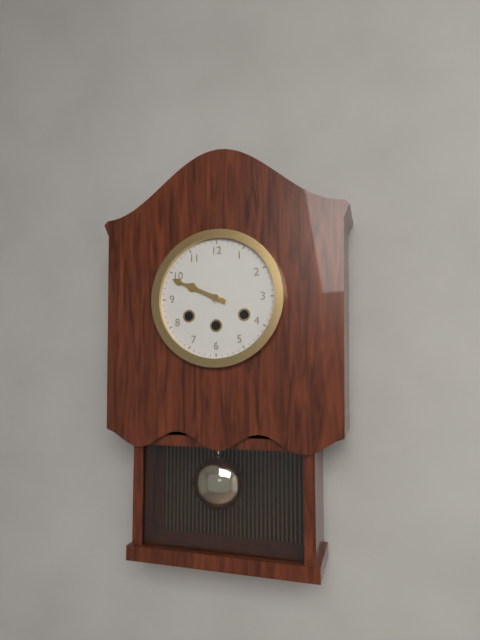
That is 9:49
